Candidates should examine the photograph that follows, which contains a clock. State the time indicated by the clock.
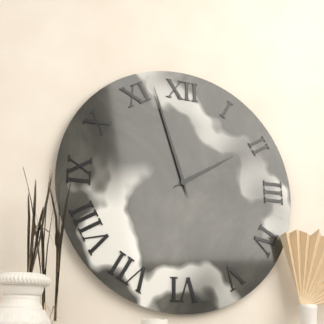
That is 1:57
